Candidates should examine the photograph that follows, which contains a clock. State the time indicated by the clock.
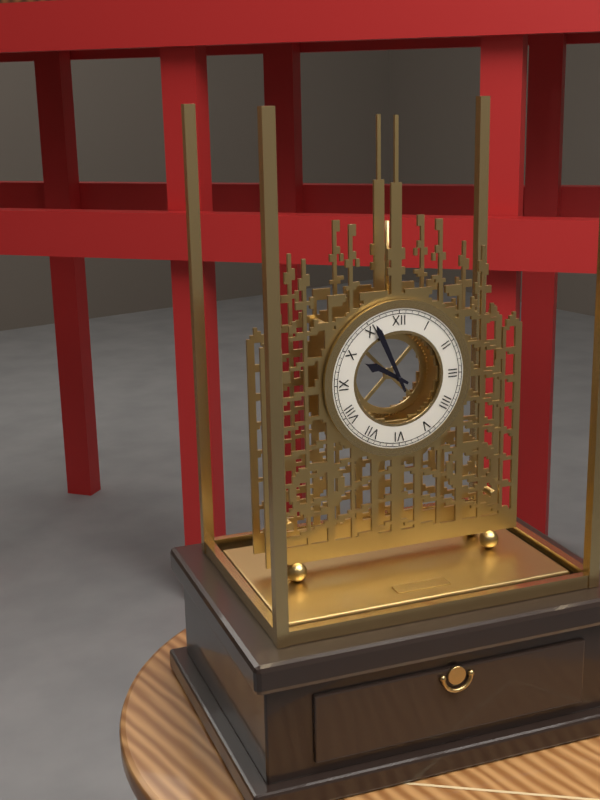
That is 9:56
